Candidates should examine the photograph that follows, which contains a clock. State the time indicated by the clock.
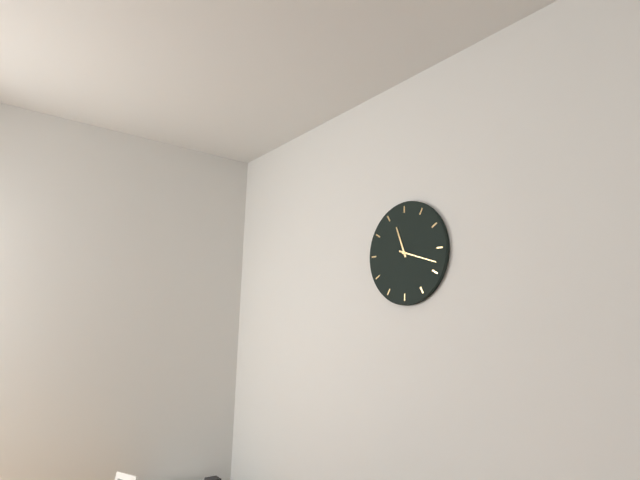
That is 11:18
